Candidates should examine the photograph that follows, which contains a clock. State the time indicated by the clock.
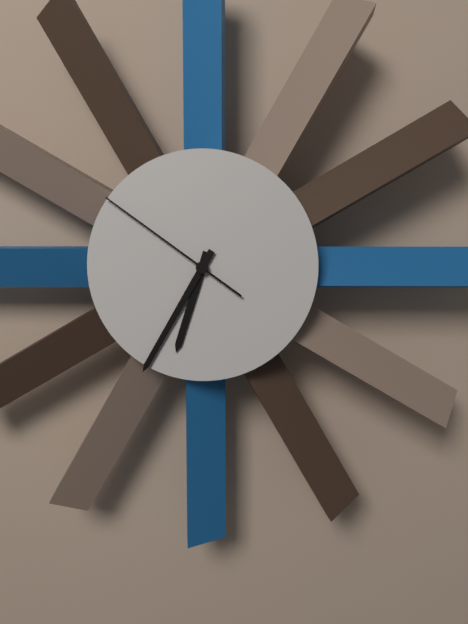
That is 6:35:51
